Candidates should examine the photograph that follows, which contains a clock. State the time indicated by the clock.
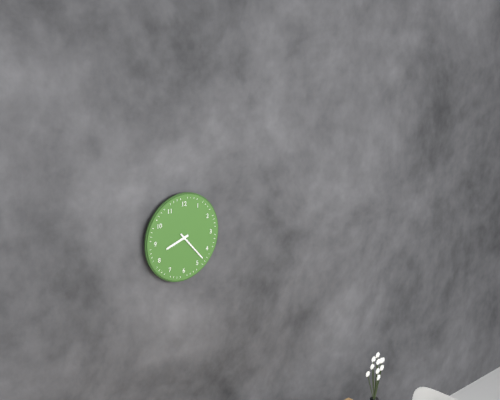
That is 8:23
